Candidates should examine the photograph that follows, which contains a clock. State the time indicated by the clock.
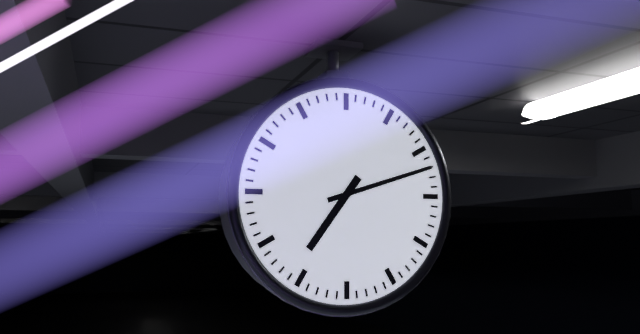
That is 7:12
